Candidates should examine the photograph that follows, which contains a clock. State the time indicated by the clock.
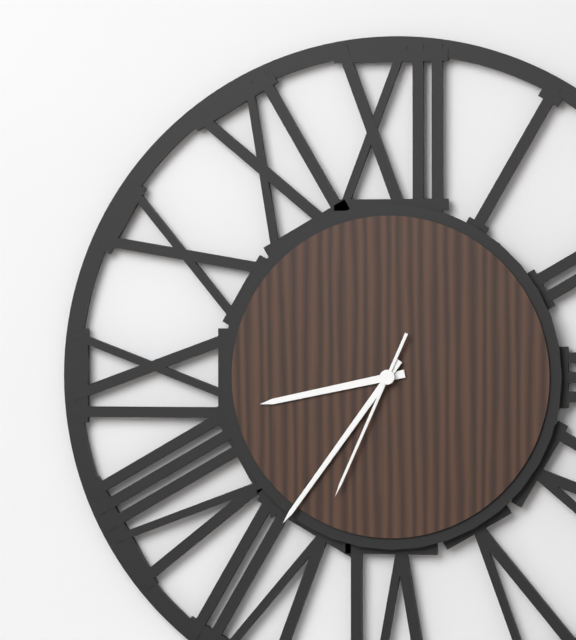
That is 8:36:34
